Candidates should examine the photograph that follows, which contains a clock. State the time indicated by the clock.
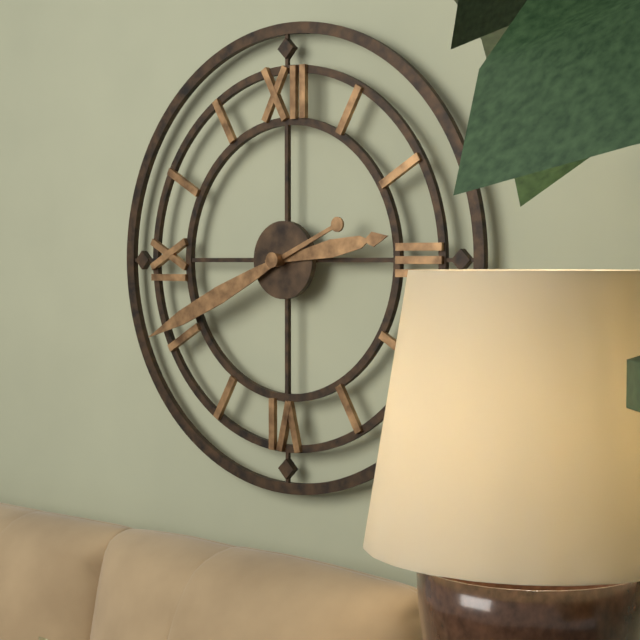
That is 2:41
